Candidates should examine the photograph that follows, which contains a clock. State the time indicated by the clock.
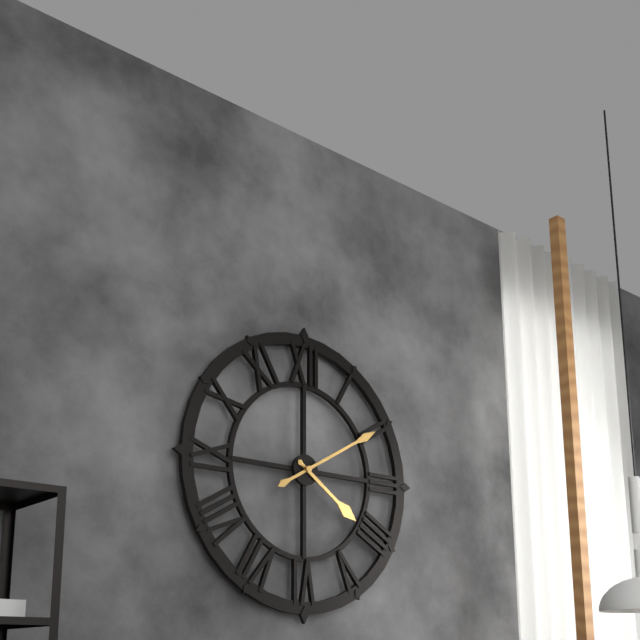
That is 4:10
